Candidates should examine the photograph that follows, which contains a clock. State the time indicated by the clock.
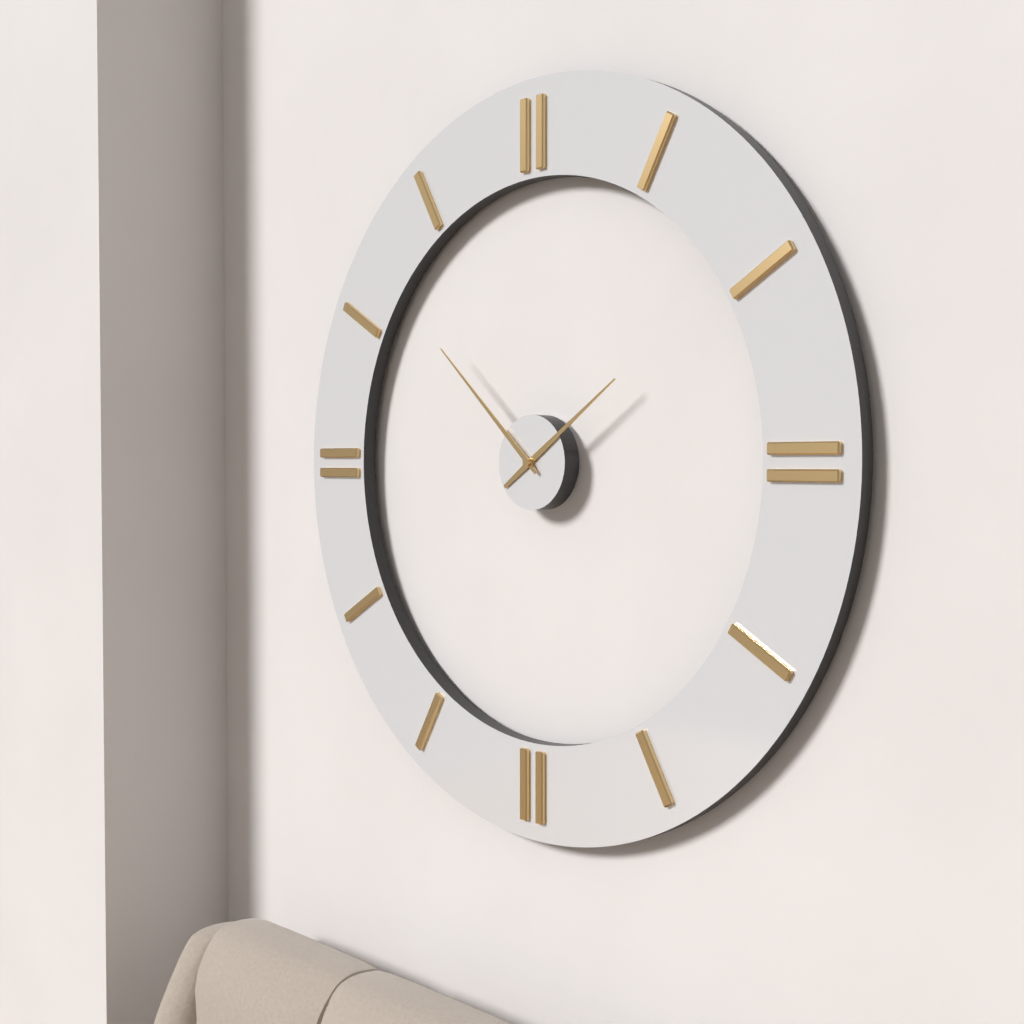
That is 1:52
